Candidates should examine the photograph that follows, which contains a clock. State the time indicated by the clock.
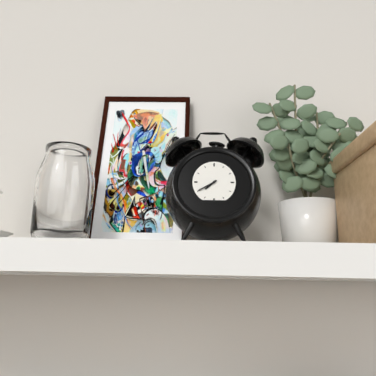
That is 7:40
